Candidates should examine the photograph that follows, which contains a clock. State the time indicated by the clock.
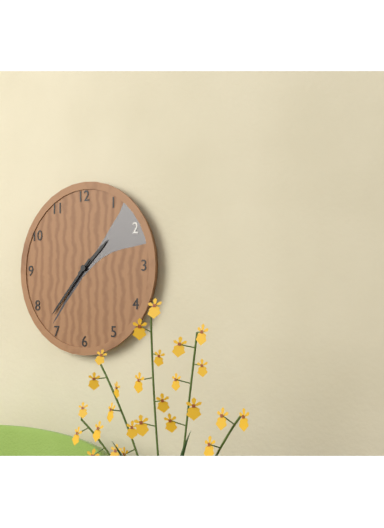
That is 1:37
